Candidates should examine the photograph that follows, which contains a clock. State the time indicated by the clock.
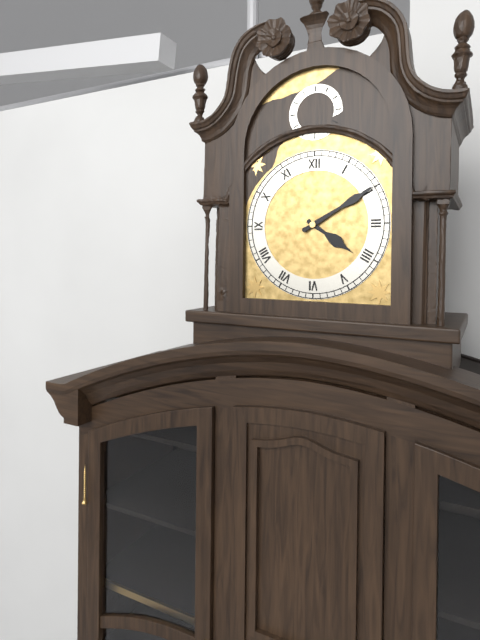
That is 4:10
